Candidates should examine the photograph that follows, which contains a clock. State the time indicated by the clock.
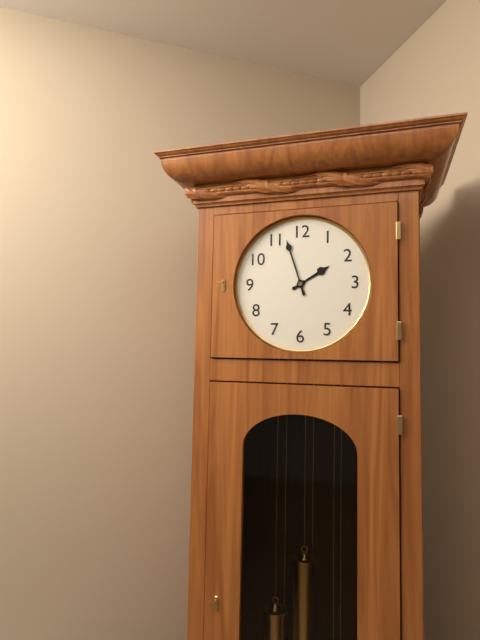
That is 1:57
